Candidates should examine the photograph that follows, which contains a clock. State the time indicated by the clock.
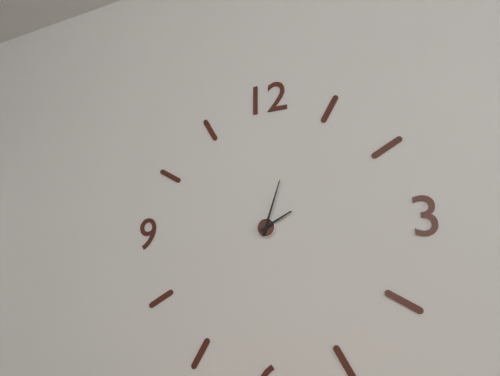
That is 2:03
